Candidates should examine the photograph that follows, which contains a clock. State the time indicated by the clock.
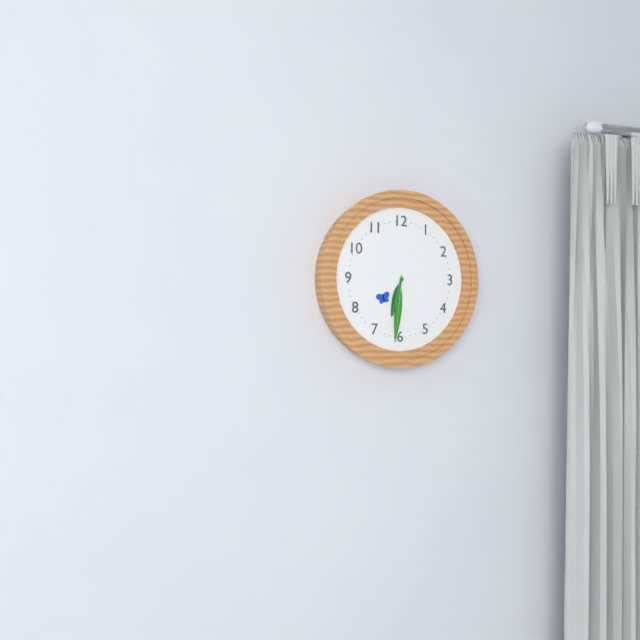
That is 6:31
